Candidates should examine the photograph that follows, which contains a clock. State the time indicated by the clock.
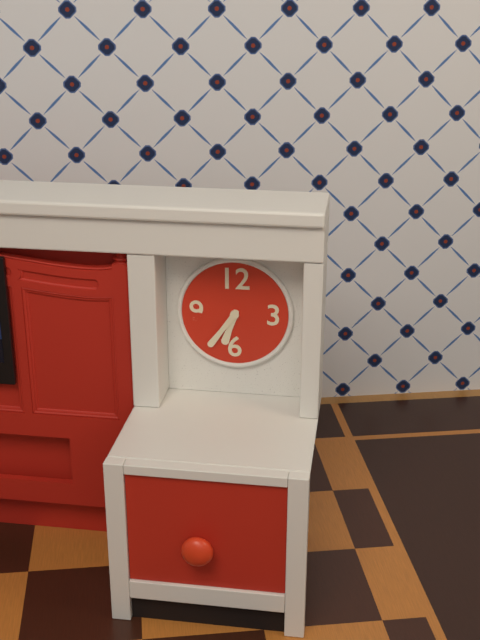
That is 6:36
